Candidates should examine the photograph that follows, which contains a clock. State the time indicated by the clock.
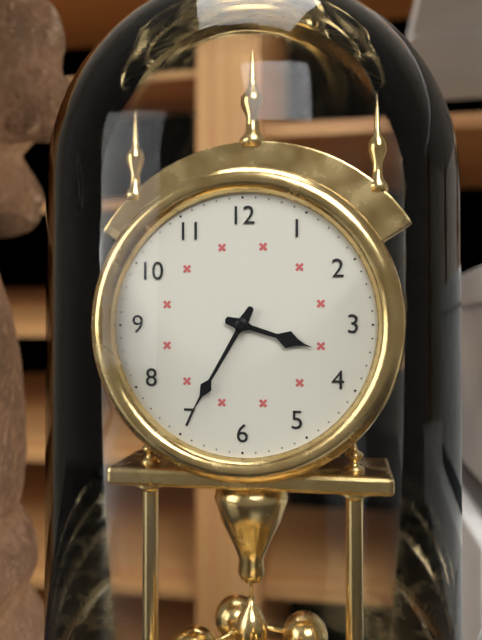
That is 3:35
